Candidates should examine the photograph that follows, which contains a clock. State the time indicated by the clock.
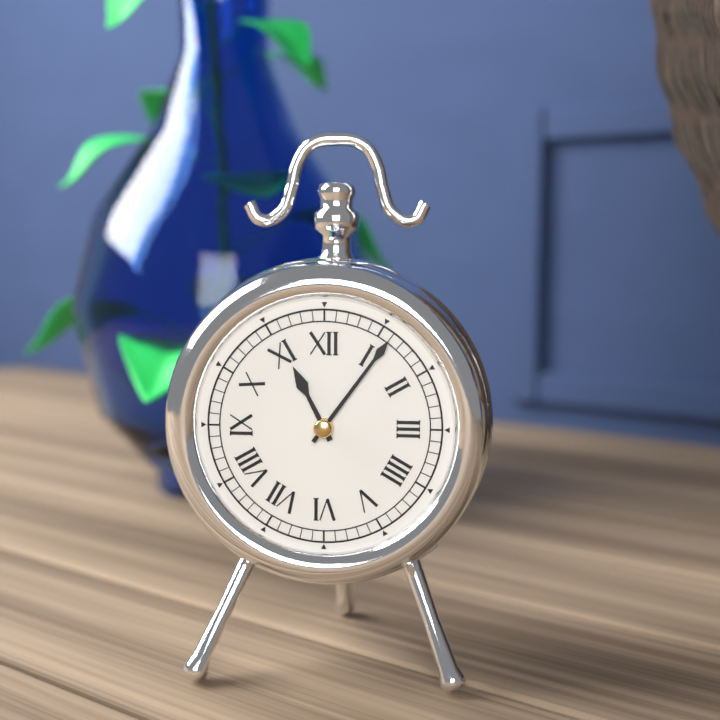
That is 11:06
